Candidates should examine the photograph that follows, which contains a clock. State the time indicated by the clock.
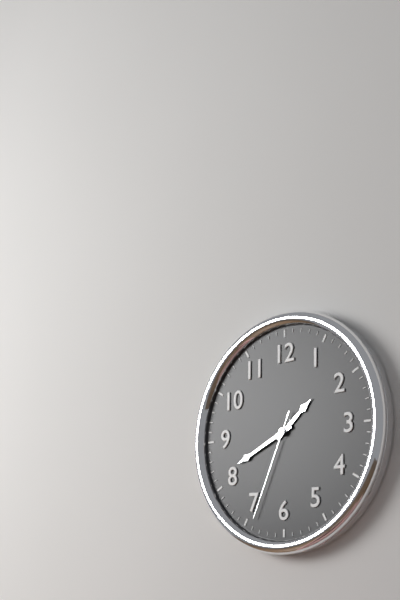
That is 1:41:34
